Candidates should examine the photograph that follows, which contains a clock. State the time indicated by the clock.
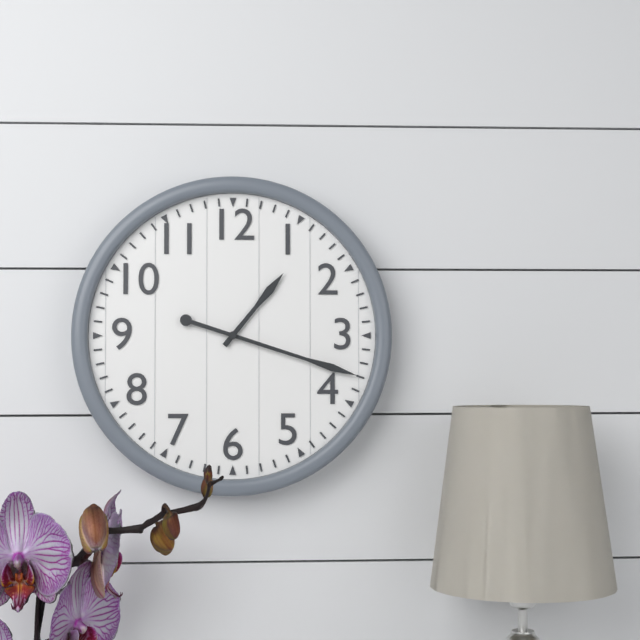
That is 1:18
